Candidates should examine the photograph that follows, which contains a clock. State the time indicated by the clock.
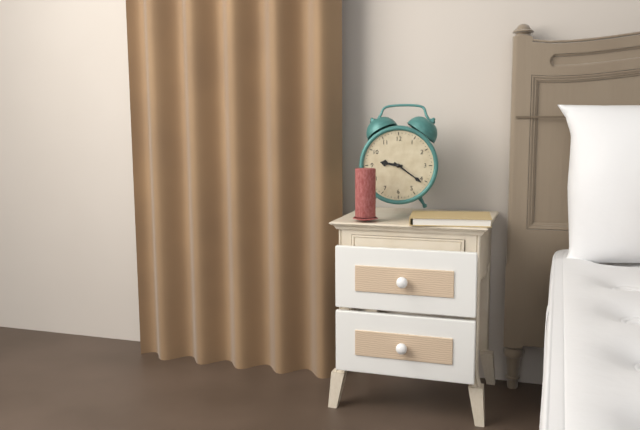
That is 9:21
